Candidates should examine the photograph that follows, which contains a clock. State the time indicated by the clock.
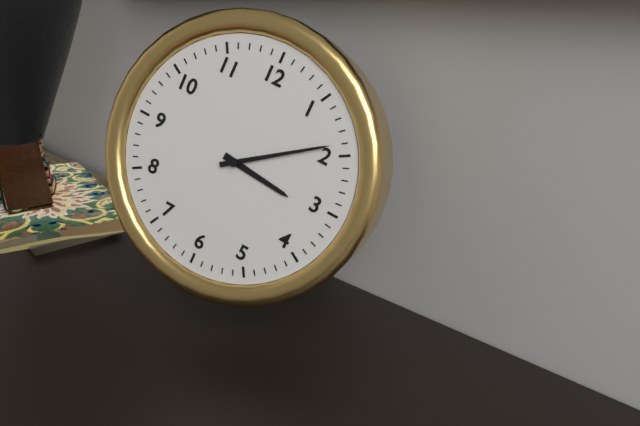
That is 3:09
